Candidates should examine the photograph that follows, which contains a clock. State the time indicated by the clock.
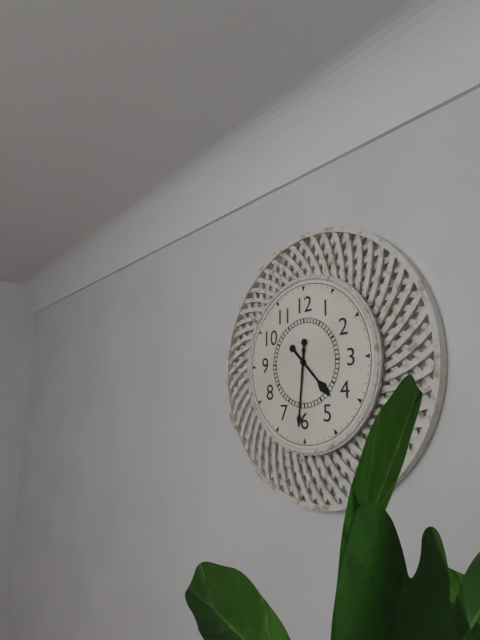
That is 4:31
